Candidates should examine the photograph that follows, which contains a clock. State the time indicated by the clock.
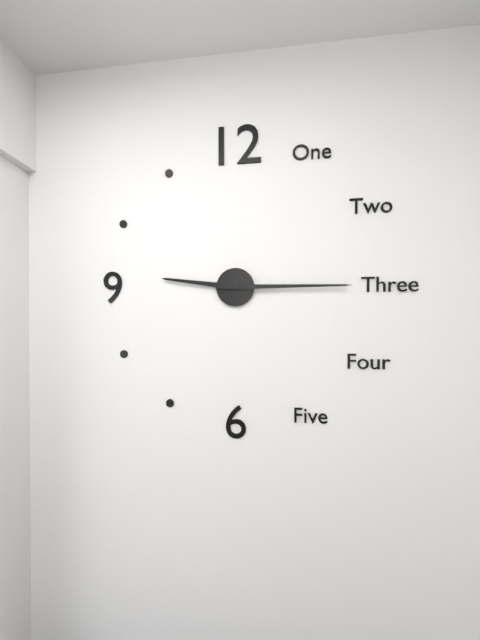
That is 9:15
